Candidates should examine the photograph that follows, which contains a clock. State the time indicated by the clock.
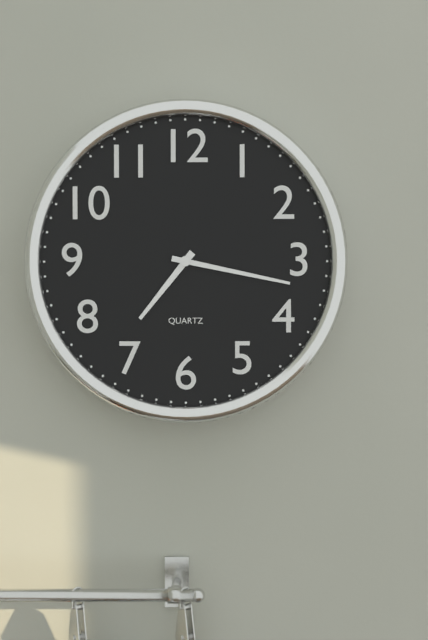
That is 7:17
